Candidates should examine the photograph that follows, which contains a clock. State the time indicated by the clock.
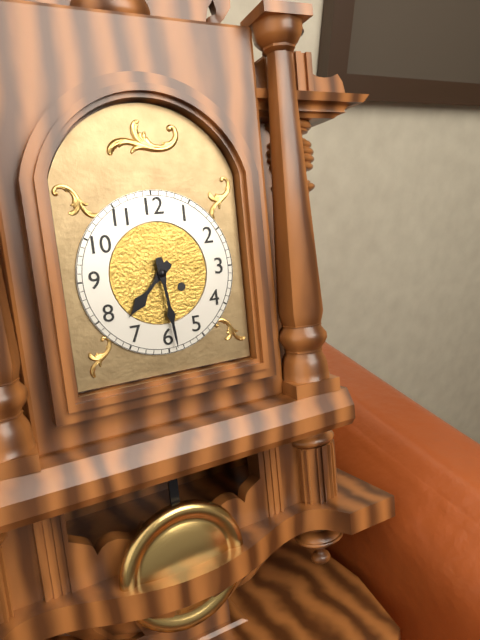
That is 7:29
